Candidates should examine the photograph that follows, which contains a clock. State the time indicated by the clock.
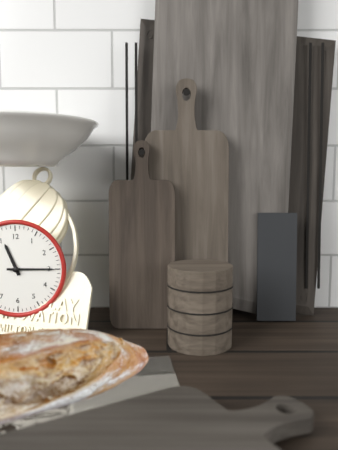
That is 11:15
